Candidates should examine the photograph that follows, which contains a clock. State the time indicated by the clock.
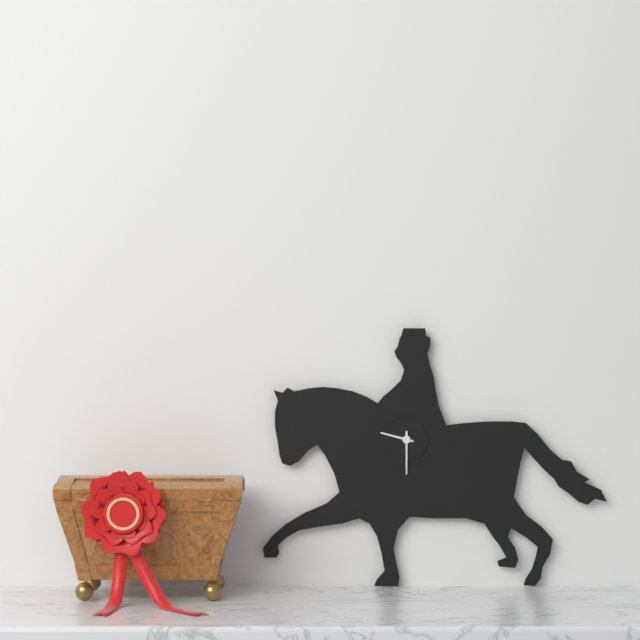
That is 9:30
